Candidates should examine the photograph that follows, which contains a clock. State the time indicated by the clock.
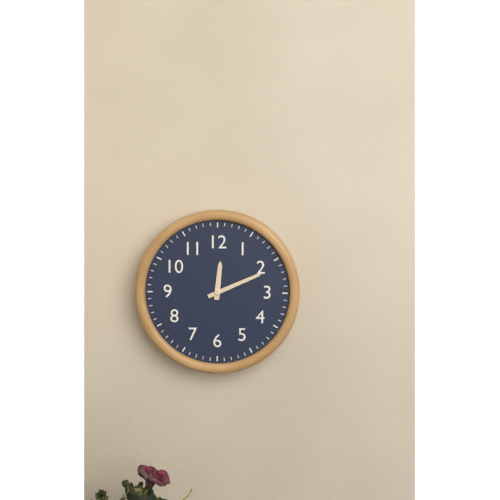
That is 12:11
